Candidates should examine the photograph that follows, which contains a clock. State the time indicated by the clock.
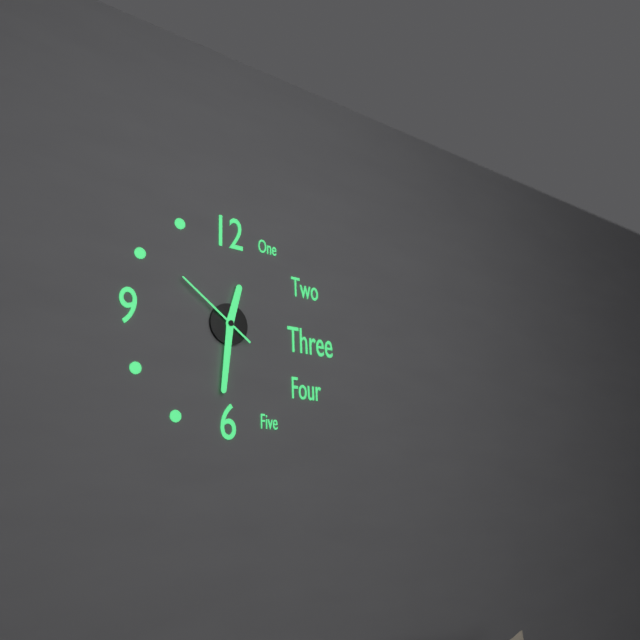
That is 12:31:51
